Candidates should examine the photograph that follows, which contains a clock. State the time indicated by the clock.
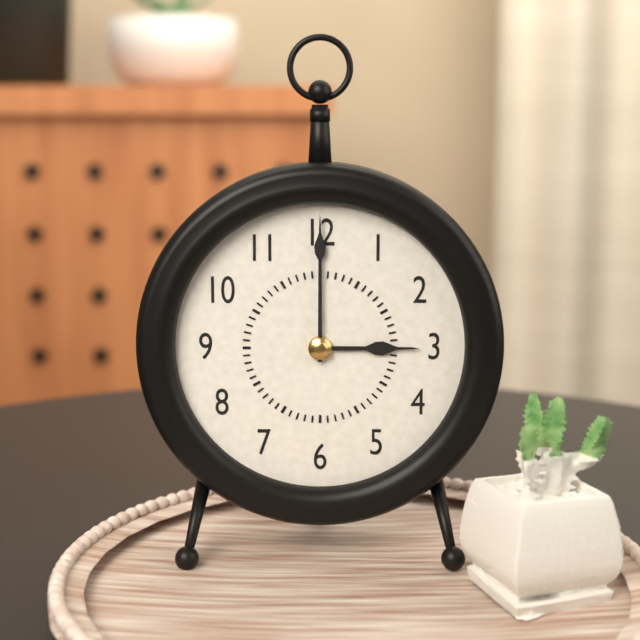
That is 3:00
